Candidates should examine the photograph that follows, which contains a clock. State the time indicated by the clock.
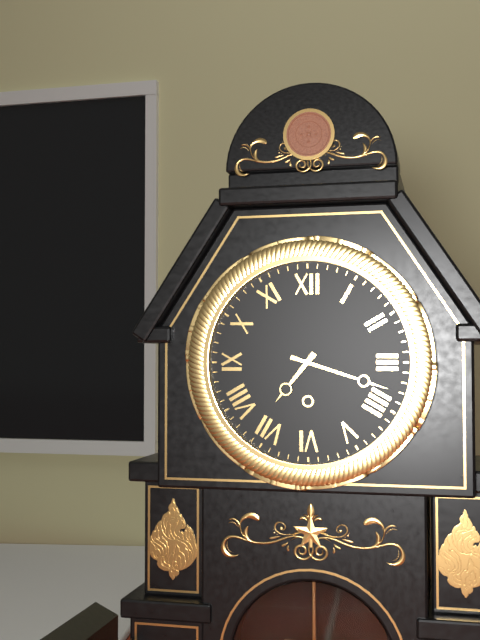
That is 7:18
